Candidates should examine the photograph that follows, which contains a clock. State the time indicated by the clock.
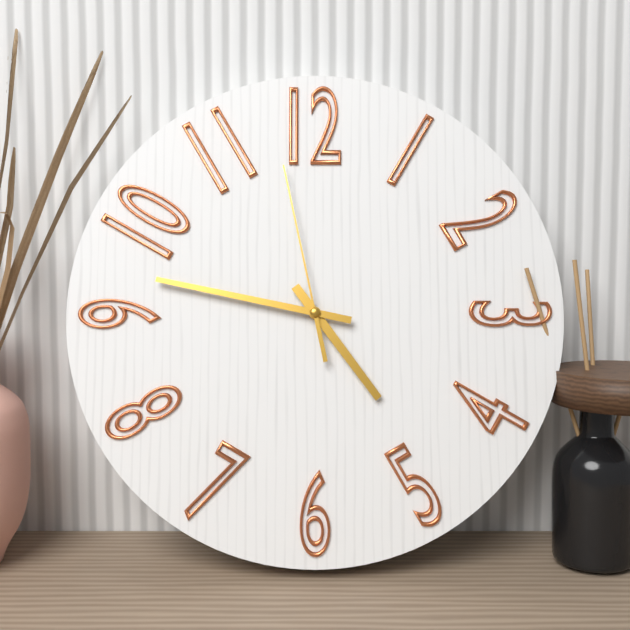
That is 4:47:58
